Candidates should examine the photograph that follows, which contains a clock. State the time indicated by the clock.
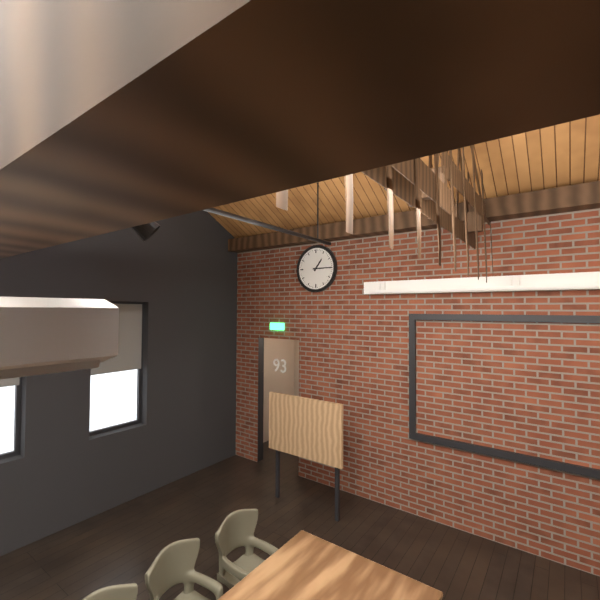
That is 1:15
